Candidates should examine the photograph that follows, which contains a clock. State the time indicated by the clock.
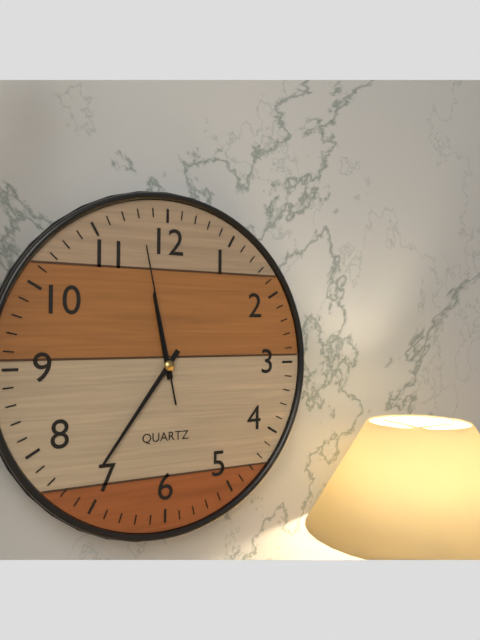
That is 11:36:58
